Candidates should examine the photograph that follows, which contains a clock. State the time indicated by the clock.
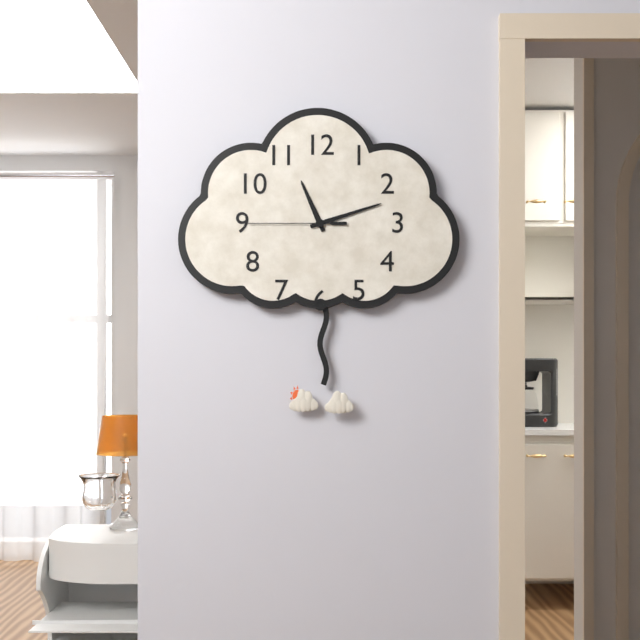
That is 11:12:45
